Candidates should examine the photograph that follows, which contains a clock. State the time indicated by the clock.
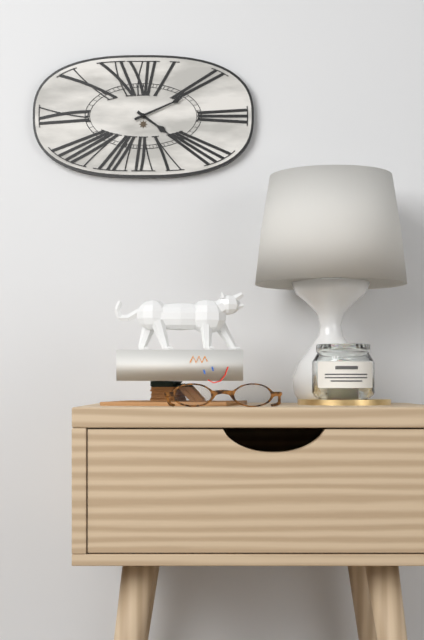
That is 4:11
